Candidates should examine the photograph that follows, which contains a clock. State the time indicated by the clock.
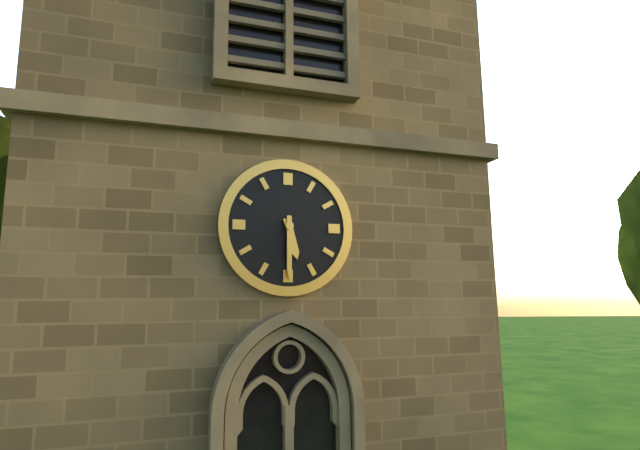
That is 5:30
